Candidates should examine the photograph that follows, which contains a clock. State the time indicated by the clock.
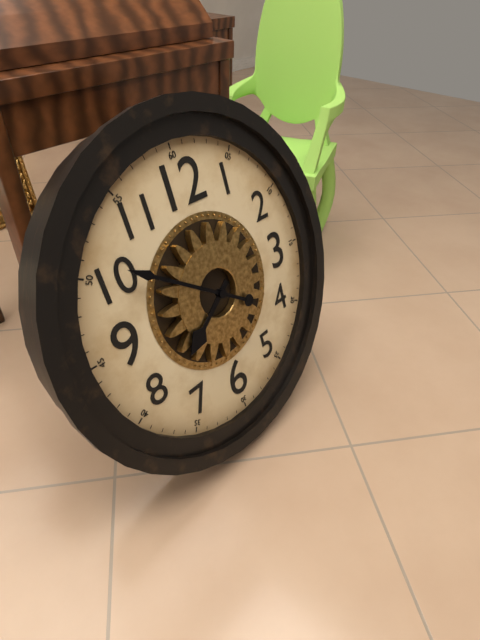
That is 7:51
